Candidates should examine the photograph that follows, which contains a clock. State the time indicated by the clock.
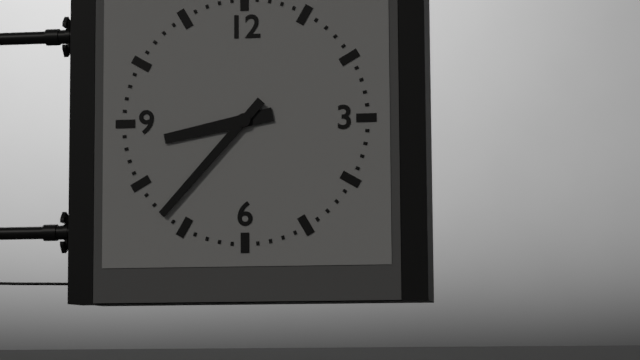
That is 8:37
